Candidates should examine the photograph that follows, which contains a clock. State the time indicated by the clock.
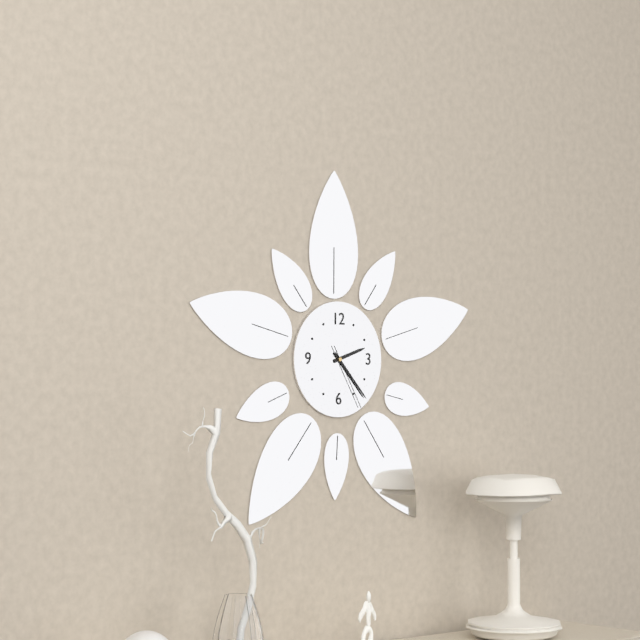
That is 2:23:25
